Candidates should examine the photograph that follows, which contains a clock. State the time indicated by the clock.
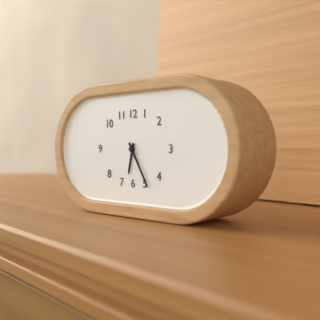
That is 6:25
